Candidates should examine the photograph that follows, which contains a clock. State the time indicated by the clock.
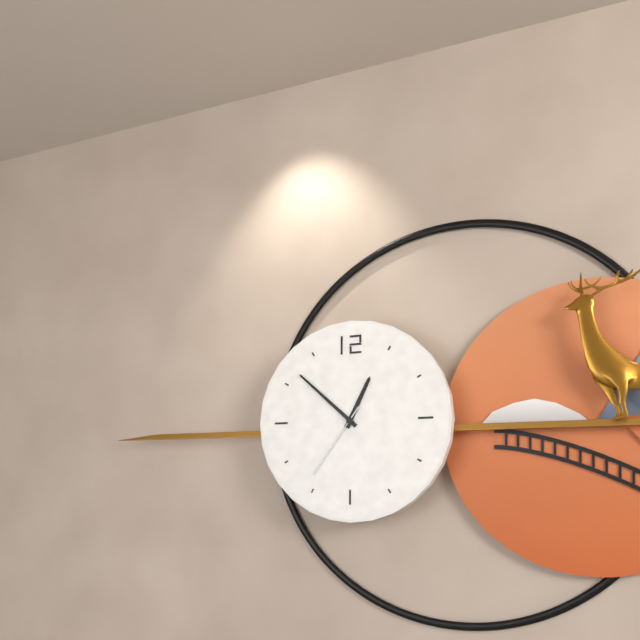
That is 12:52:36
